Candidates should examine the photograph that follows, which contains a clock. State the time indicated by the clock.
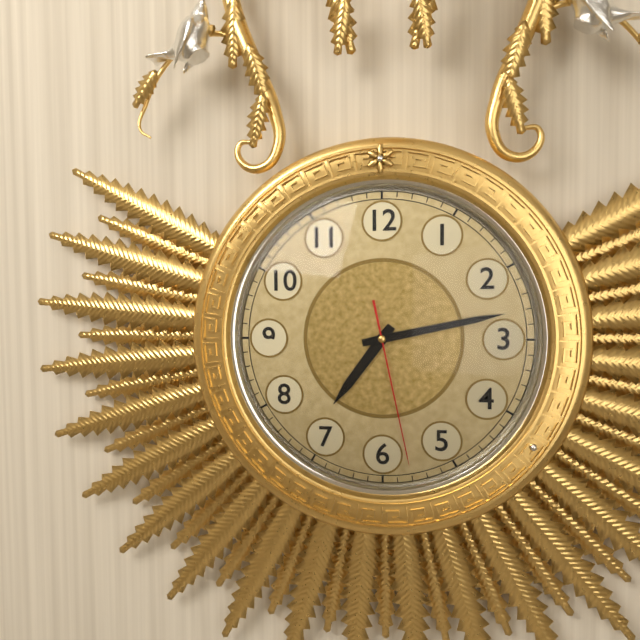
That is 7:13:28
